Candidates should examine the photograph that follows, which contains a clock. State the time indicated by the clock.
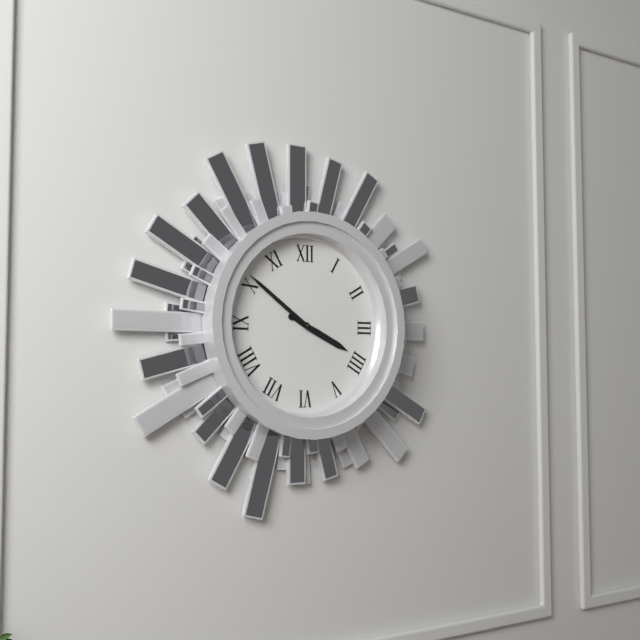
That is 3:51
